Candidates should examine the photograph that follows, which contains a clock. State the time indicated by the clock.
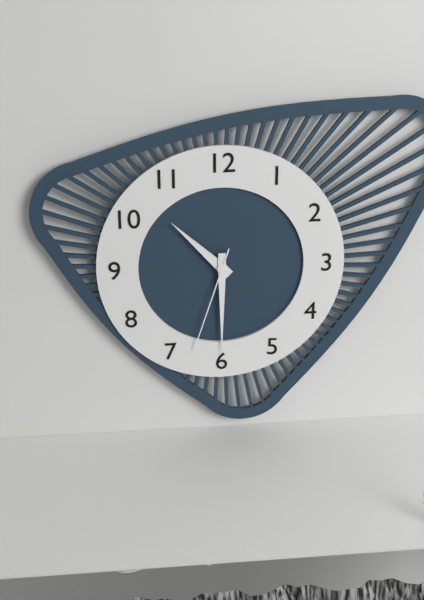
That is 10:30:33
